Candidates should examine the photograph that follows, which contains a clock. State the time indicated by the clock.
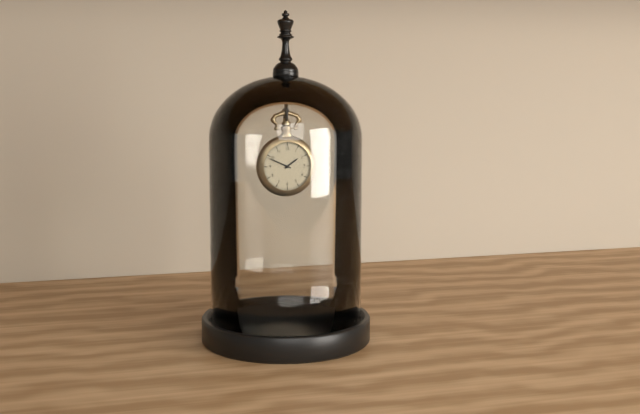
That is 1:49
